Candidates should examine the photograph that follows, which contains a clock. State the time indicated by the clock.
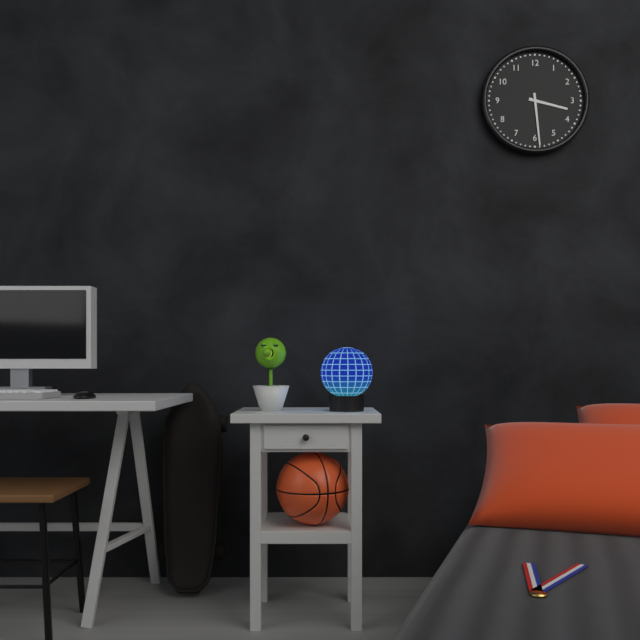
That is 3:29
